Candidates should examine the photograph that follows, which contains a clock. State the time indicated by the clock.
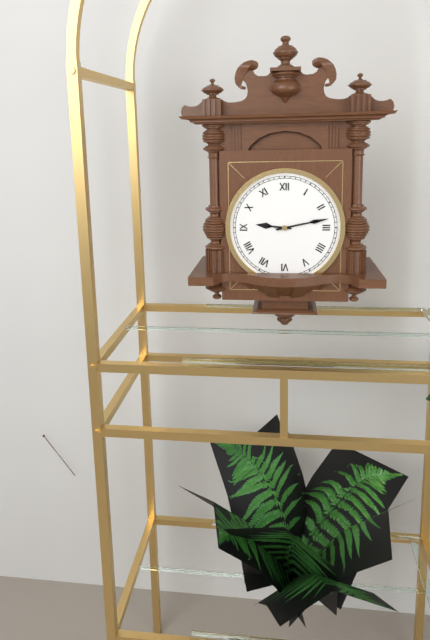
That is 9:13
